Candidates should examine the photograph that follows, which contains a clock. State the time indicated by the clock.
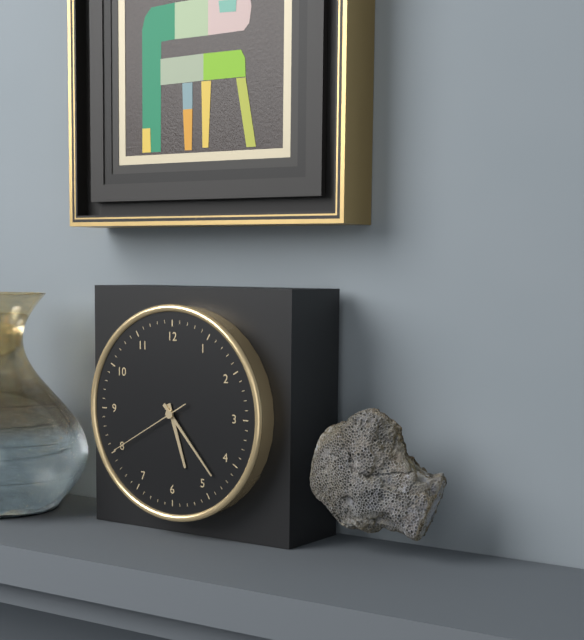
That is 5:23:40
